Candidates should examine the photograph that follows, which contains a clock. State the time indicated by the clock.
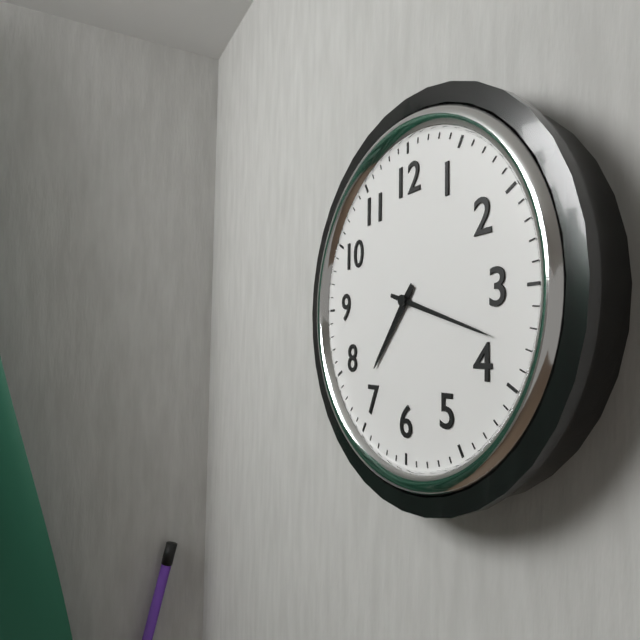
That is 7:18
